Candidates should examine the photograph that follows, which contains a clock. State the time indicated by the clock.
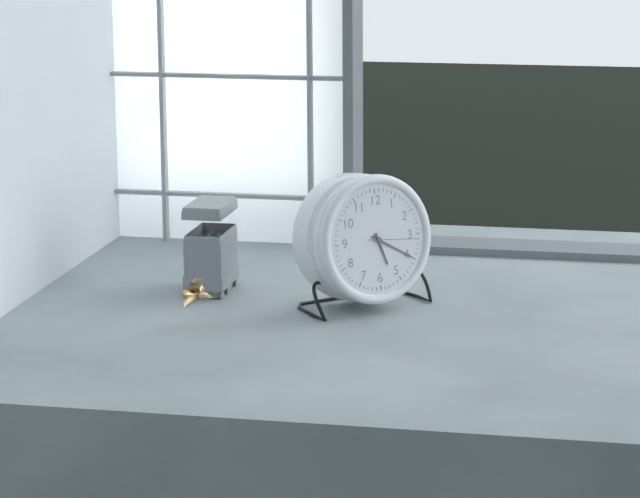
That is 5:20
